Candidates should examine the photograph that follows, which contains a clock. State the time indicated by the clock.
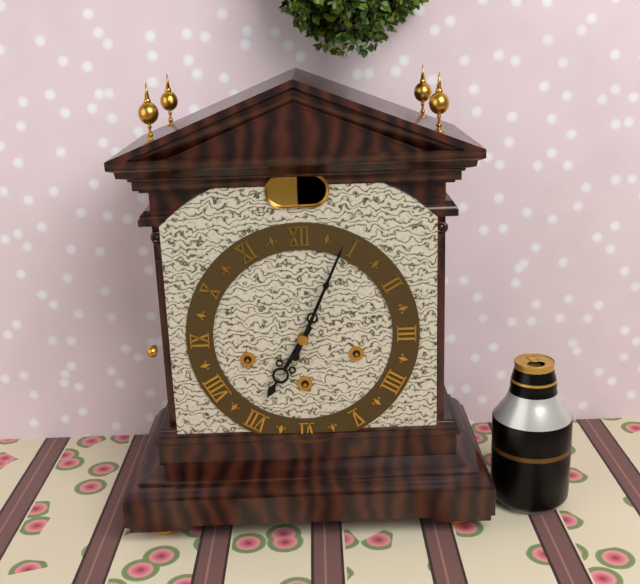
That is 7:04
